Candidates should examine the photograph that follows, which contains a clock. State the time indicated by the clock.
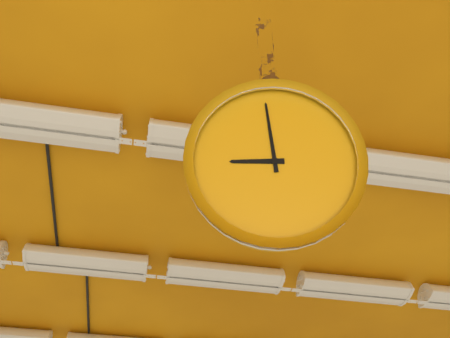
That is 8:59
